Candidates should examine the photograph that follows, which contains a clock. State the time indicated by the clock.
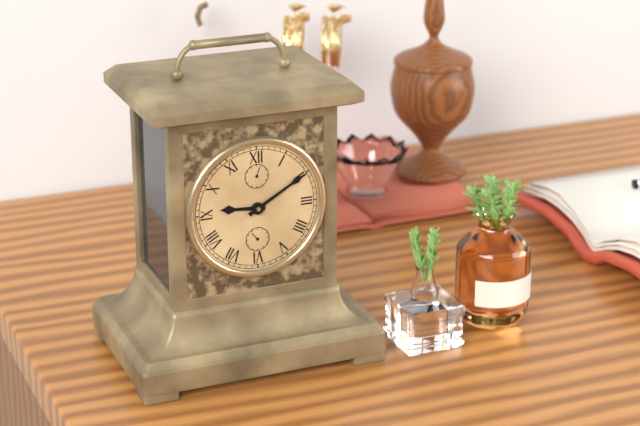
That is 9:10
